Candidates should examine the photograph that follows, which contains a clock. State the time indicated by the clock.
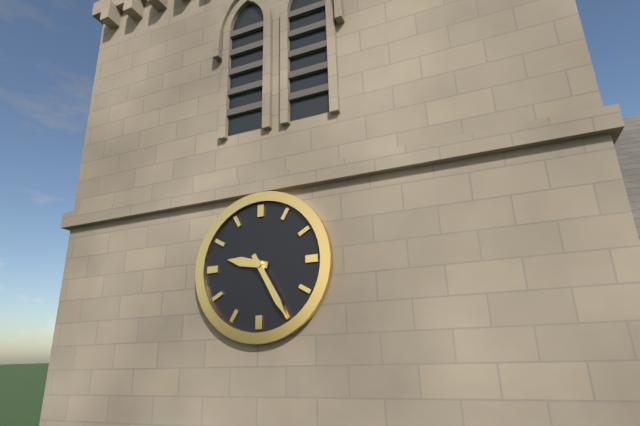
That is 9:25
